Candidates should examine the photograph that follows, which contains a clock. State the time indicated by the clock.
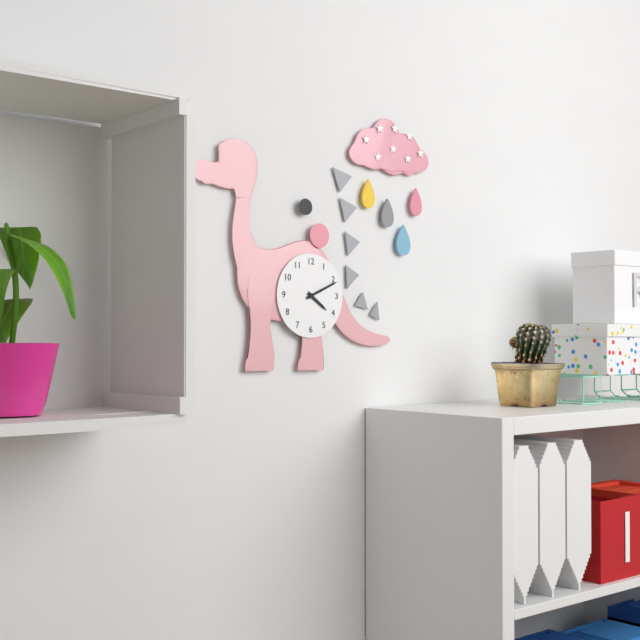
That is 4:11
